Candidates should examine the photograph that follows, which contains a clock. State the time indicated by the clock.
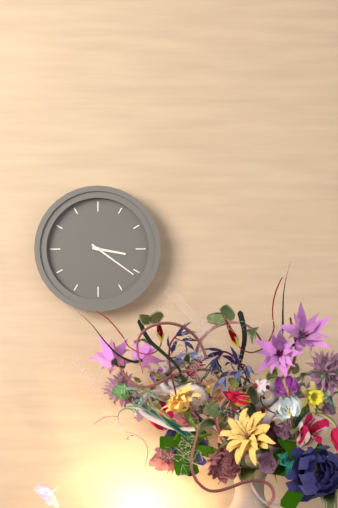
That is 3:21
